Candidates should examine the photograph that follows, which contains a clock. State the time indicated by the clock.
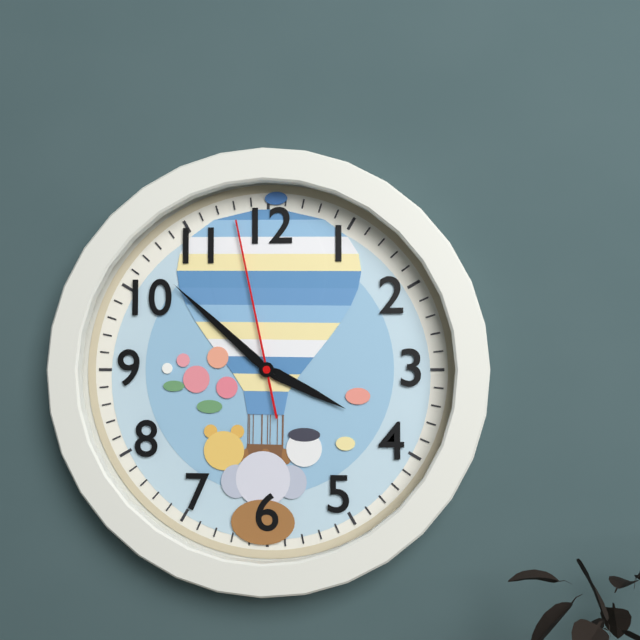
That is 3:52:58
